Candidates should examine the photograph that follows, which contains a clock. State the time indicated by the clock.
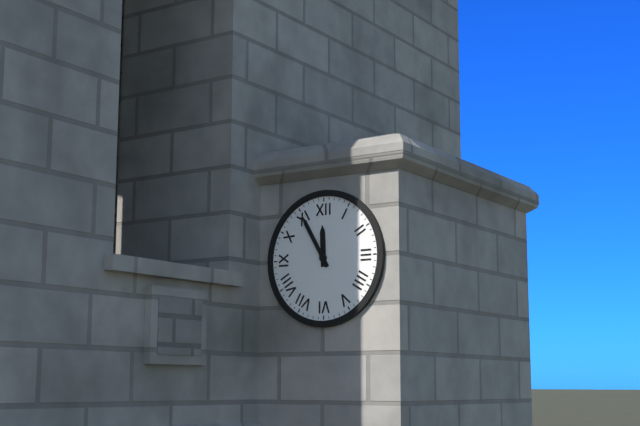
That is 11:55
